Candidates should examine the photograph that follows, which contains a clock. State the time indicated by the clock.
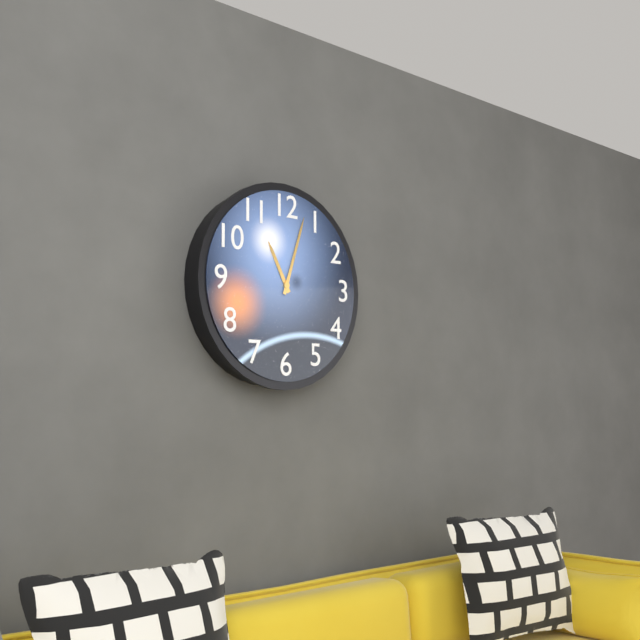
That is 11:03
